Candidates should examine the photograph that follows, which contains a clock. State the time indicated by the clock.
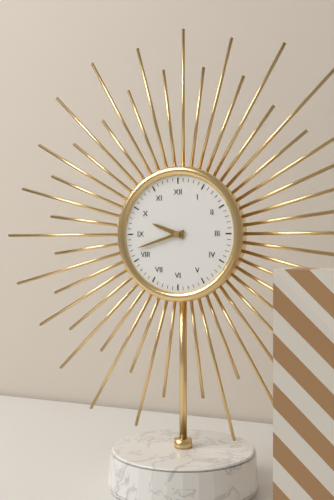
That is 9:42
